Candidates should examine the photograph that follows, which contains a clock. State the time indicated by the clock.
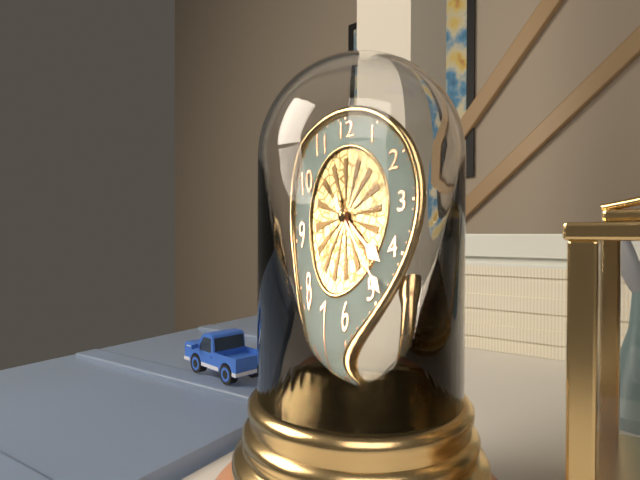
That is 4:24
